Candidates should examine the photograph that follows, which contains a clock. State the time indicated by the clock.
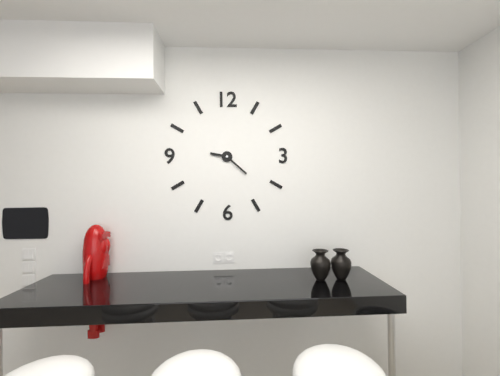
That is 9:22
